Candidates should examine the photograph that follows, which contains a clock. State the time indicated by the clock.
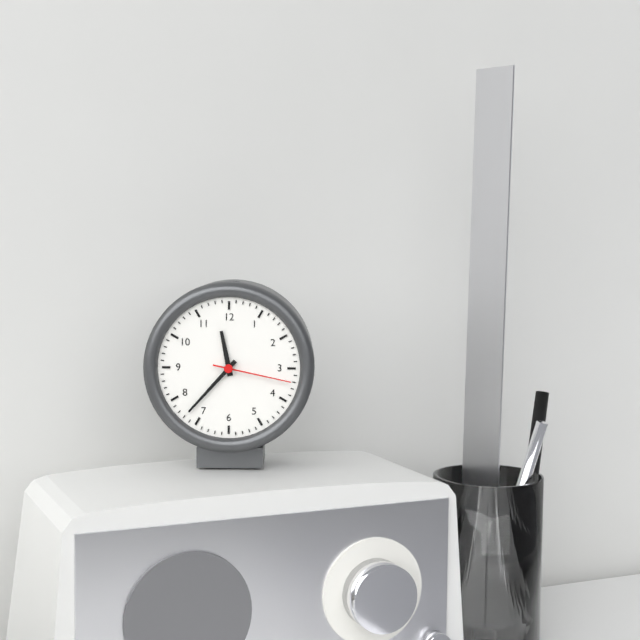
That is 11:37:17
